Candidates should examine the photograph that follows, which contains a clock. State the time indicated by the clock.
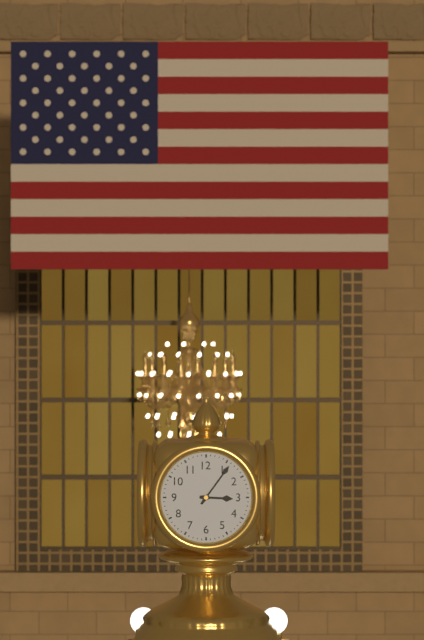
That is 3:06
